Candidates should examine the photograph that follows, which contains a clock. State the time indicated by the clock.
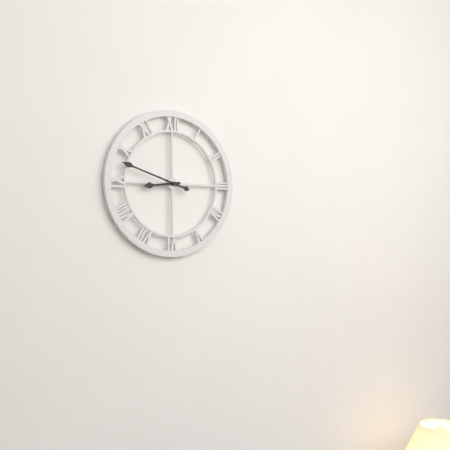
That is 8:48
